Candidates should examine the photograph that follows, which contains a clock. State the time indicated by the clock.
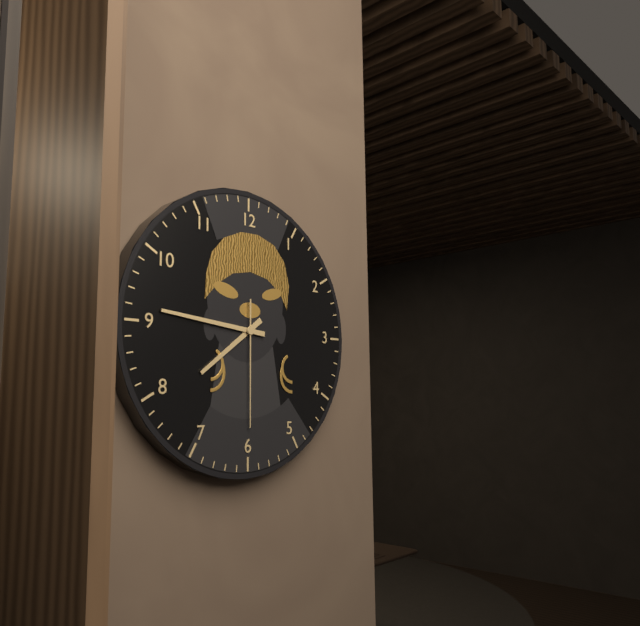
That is 7:46:30
